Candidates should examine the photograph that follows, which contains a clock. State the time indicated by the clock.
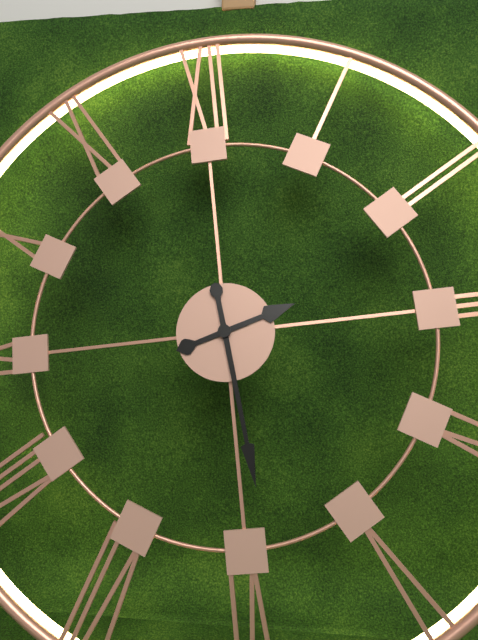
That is 2:29
